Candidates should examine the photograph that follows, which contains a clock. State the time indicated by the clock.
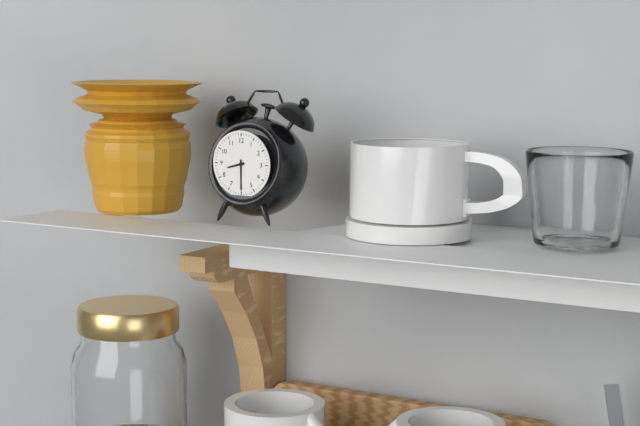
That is 8:30
